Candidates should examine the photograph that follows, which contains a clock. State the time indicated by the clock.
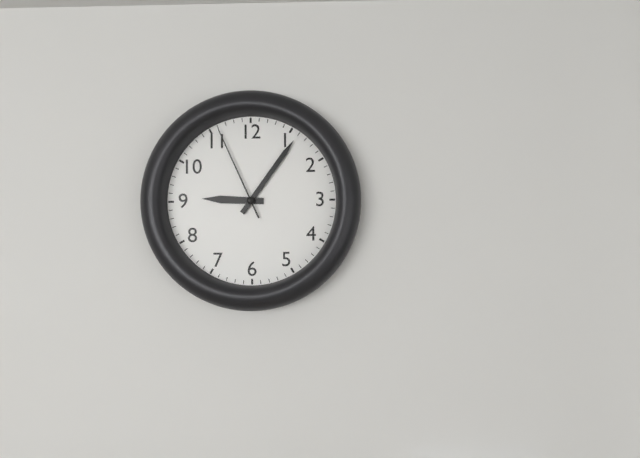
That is 9:06:56
